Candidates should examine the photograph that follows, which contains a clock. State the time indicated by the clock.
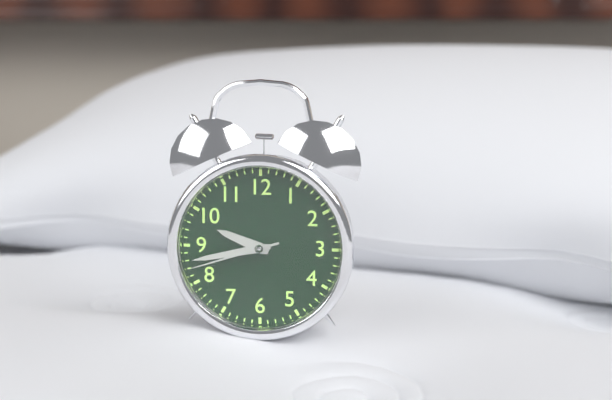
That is 9:43:42
